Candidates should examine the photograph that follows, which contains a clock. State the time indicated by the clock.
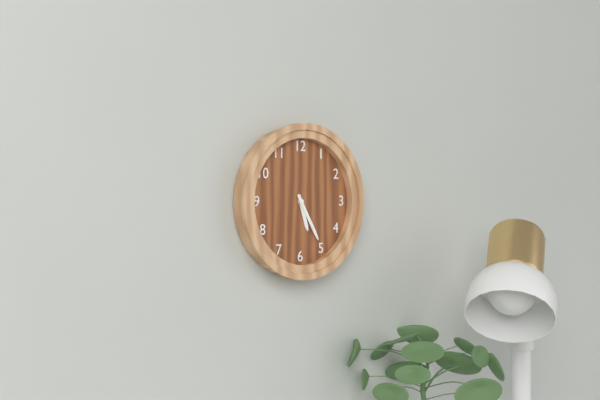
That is 5:25
